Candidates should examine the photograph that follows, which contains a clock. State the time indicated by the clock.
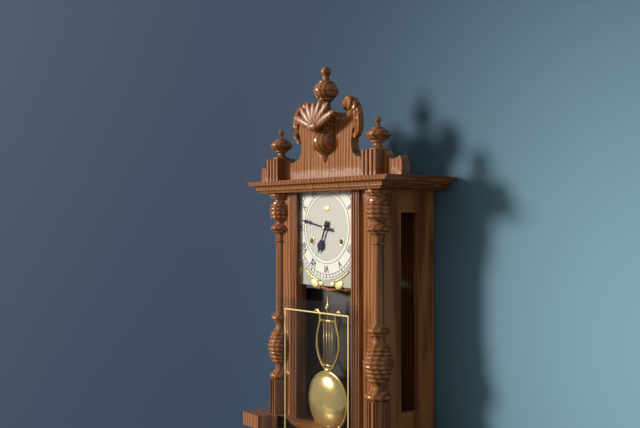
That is 6:47
